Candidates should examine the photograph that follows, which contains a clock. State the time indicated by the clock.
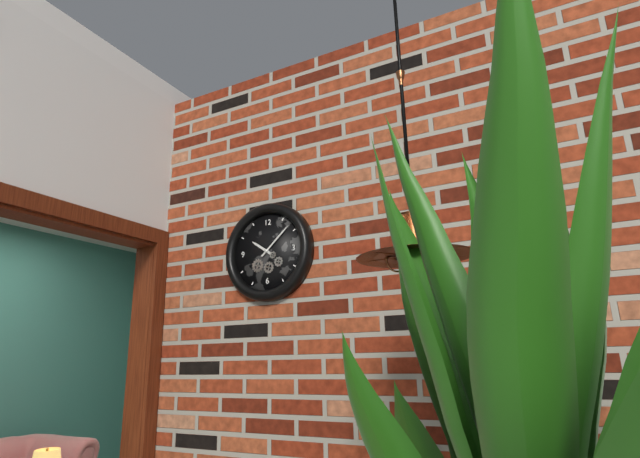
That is 10:08
